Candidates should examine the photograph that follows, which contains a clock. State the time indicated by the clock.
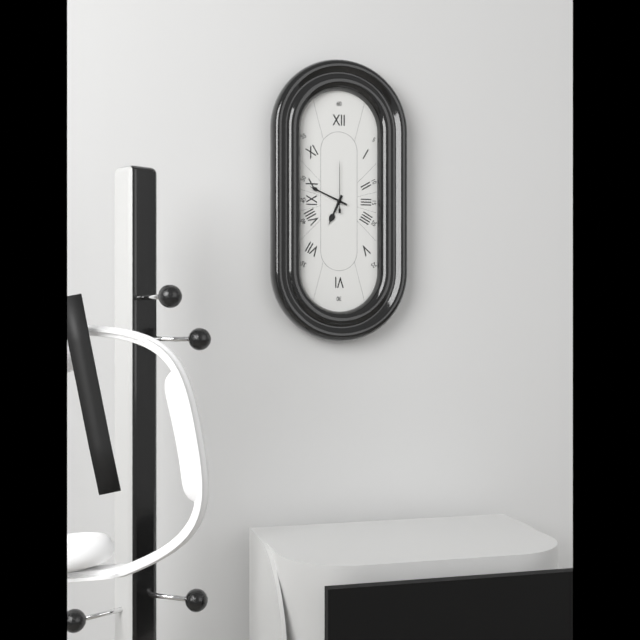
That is 6:49:00
